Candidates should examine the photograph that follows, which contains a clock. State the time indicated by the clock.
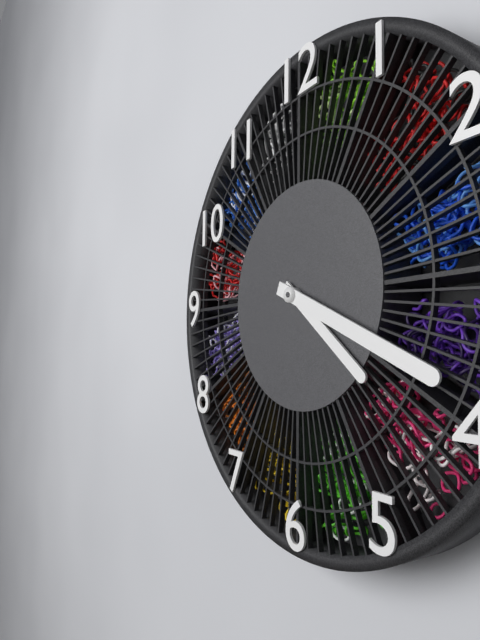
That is 4:19
